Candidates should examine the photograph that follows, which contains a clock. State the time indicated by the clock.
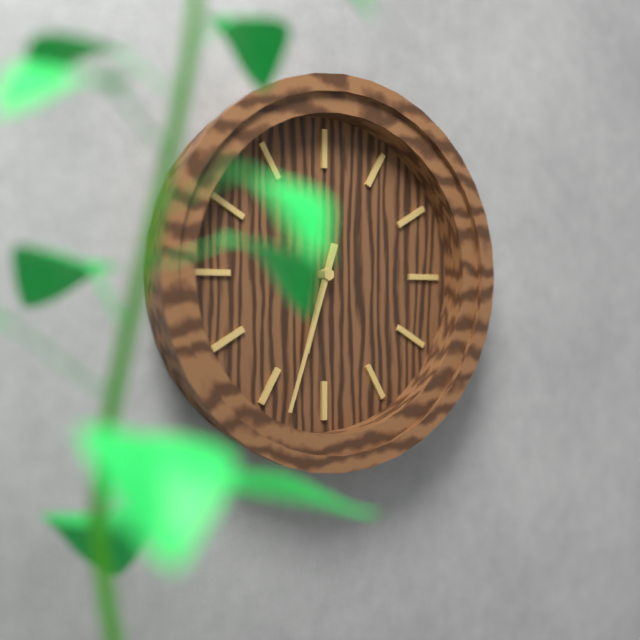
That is 6:33
